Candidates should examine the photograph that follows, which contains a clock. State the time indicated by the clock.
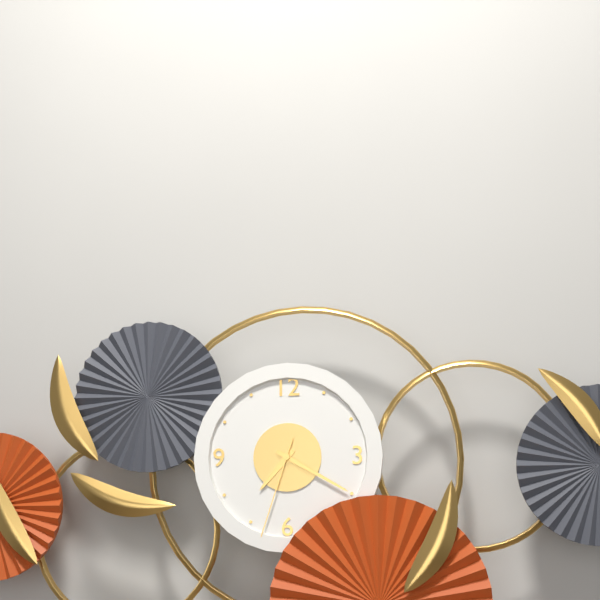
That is 7:20:33
